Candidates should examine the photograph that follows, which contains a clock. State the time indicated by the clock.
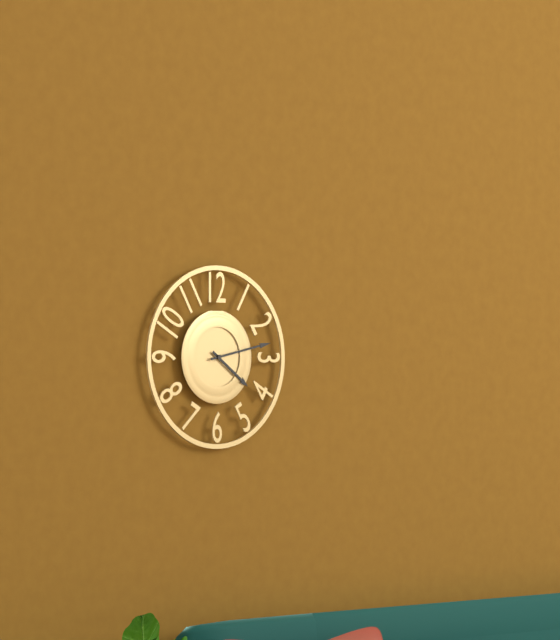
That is 4:13
